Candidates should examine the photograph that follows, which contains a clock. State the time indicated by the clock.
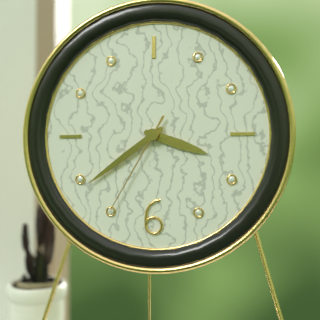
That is 3:39:35
